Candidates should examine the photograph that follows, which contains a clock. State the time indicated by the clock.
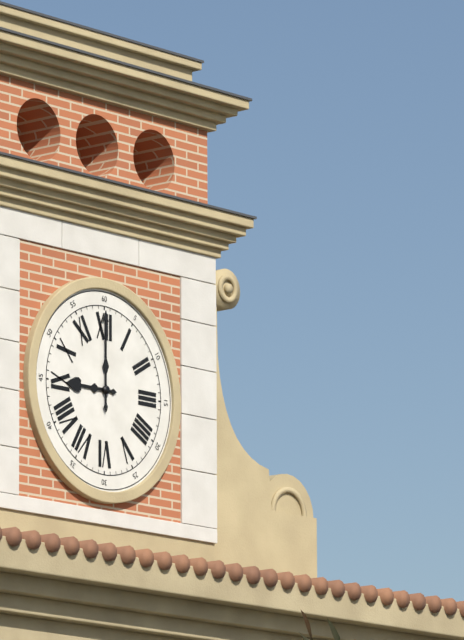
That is 9:00
